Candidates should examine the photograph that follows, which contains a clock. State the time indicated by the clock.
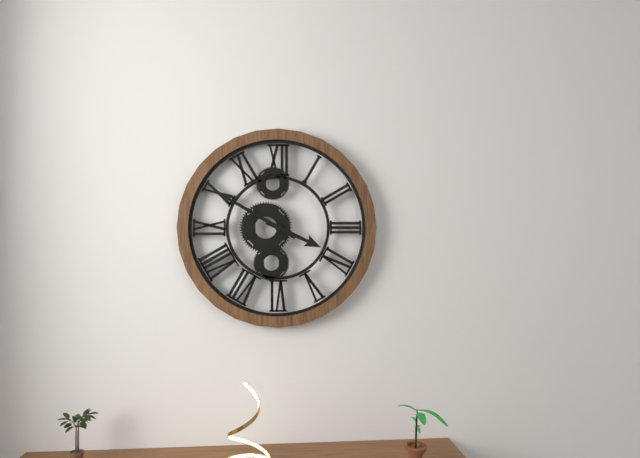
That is 3:50
